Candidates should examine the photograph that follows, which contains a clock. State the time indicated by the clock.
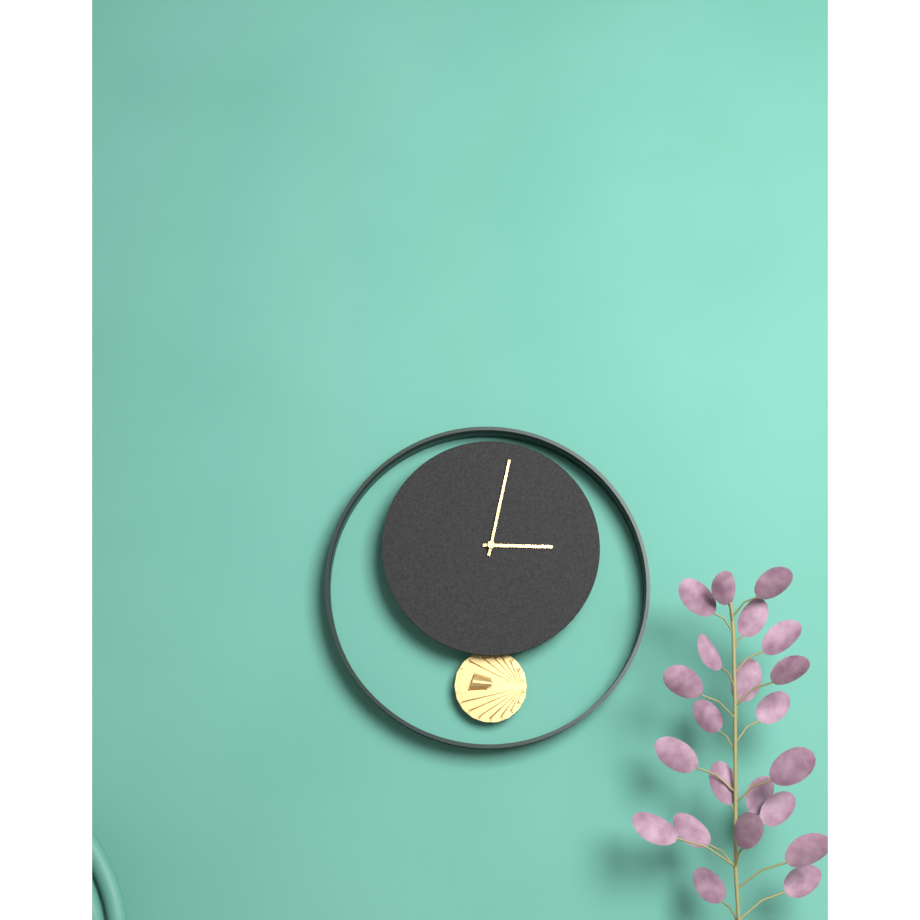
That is 3:02
